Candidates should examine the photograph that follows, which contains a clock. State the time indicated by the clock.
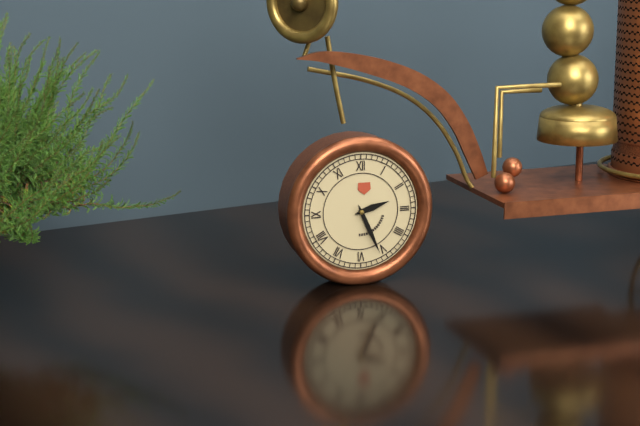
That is 2:26
